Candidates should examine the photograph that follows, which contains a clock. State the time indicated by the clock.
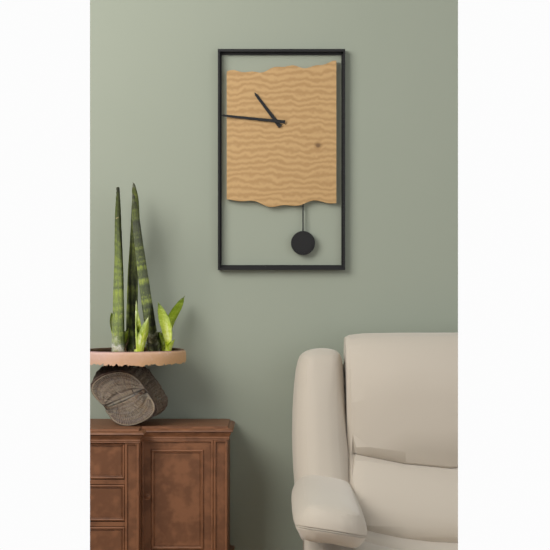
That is 10:46
